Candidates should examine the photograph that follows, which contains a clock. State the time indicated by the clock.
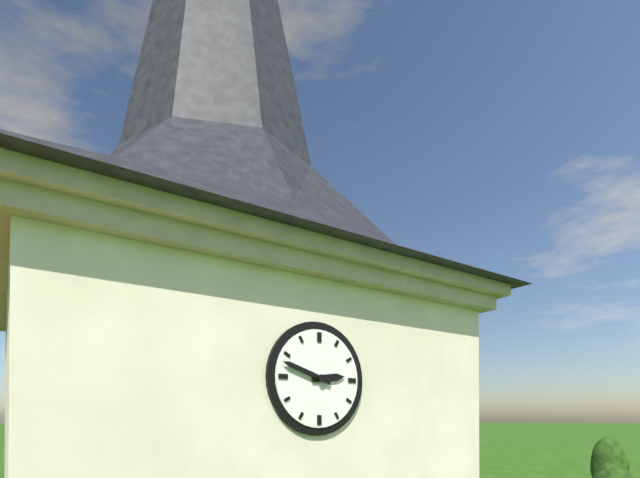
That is 2:48
